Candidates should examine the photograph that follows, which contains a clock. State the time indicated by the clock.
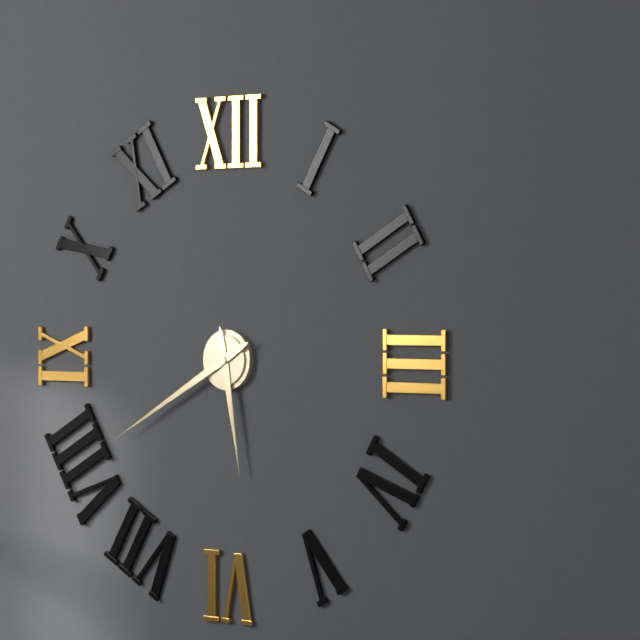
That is 5:40
